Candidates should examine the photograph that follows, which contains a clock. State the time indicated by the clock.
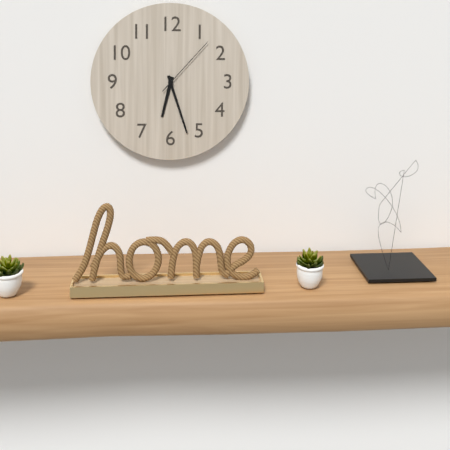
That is 6:27:07
